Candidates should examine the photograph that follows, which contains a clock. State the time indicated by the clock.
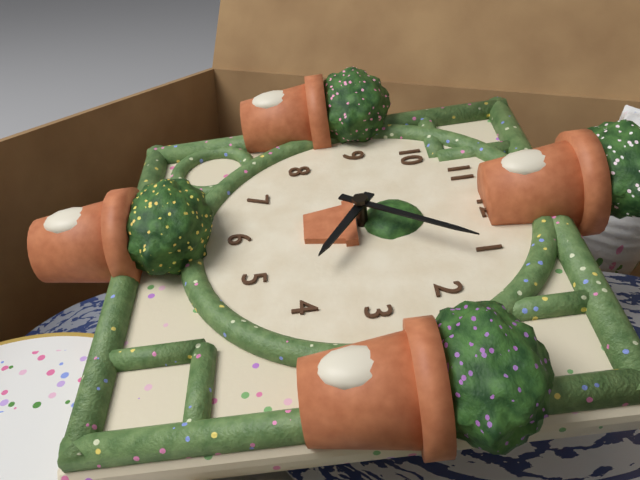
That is 4:06
